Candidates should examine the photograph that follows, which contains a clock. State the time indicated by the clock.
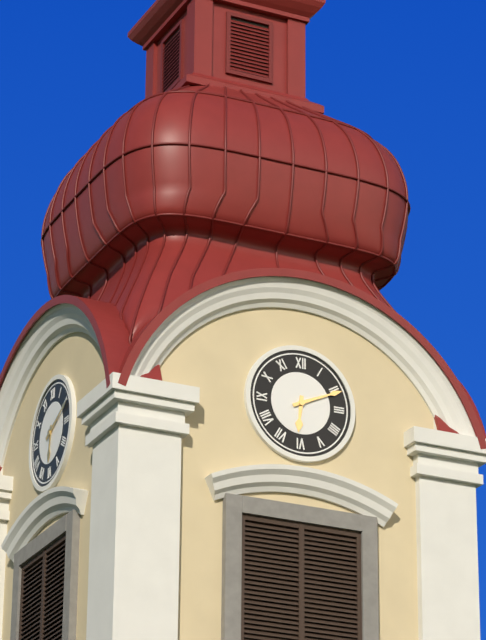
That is 6:11
